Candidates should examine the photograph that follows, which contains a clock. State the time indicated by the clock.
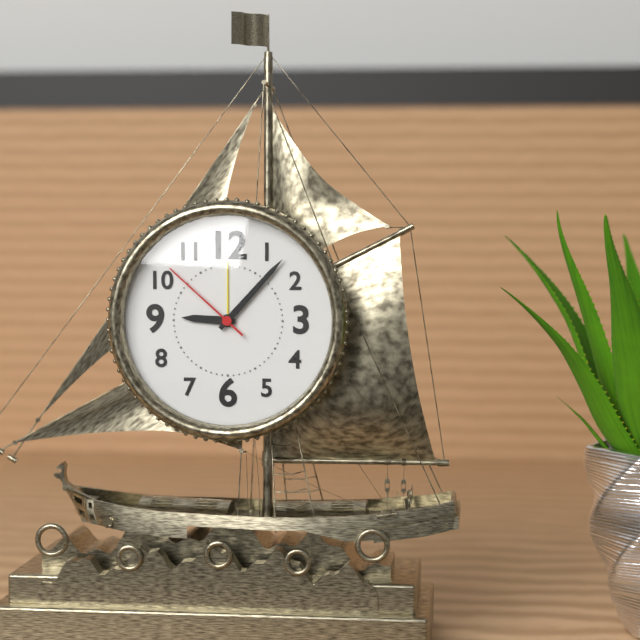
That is 9:07:52
